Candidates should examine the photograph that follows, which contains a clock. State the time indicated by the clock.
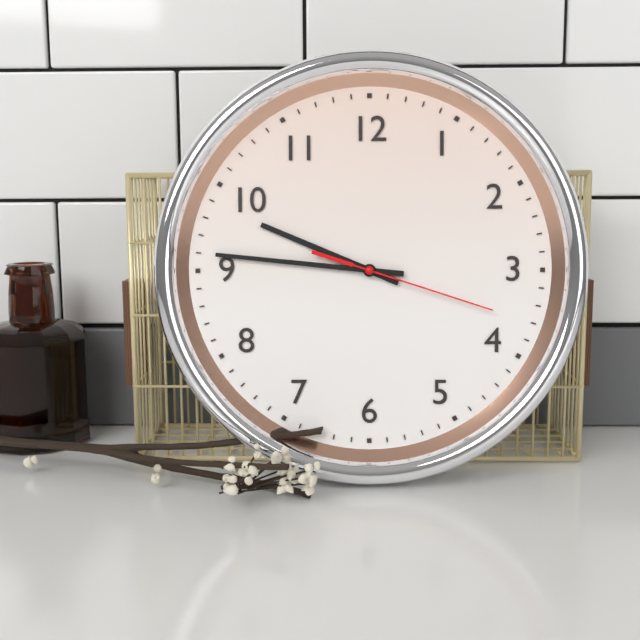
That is 9:46:18
